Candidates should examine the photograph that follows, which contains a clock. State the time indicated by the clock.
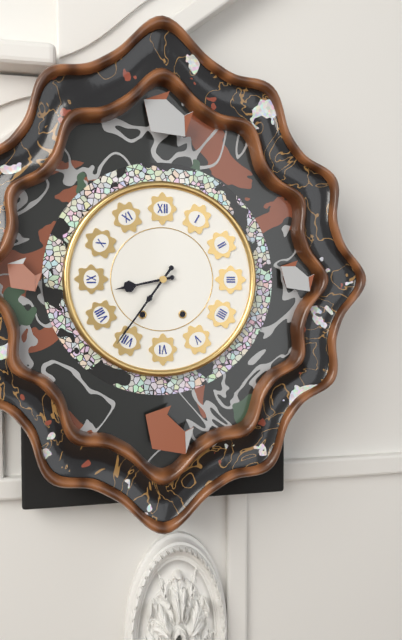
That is 8:36
